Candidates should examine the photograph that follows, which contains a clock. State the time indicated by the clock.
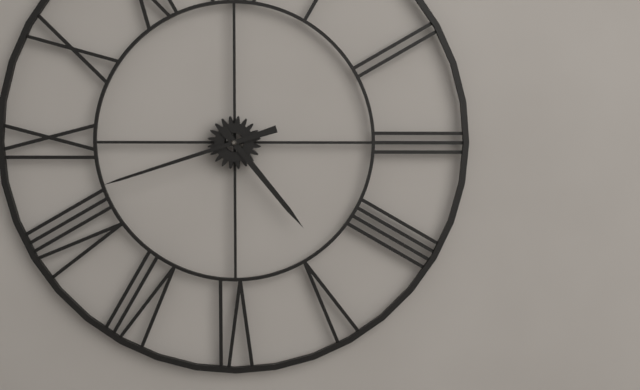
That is 4:42
